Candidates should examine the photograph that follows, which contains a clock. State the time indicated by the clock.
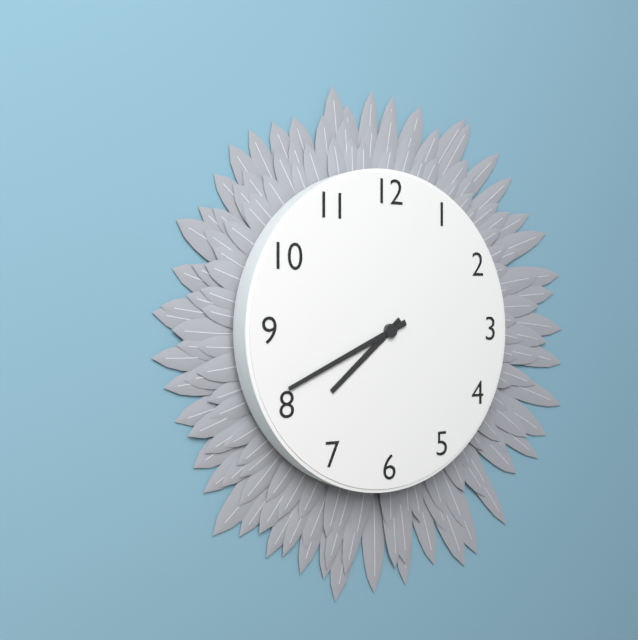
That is 7:41
